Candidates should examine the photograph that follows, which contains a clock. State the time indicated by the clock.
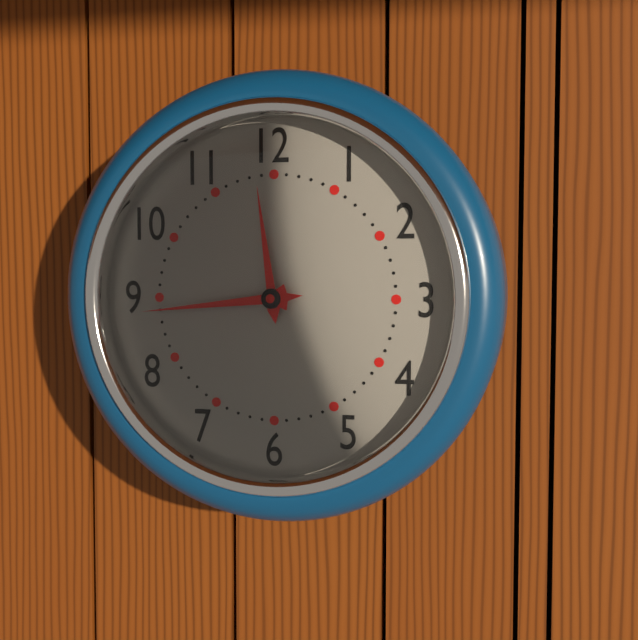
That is 11:44
